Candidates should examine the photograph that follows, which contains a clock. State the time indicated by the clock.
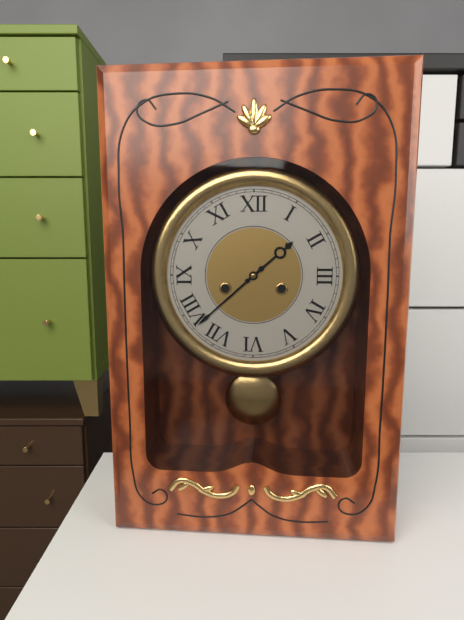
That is 1:38
